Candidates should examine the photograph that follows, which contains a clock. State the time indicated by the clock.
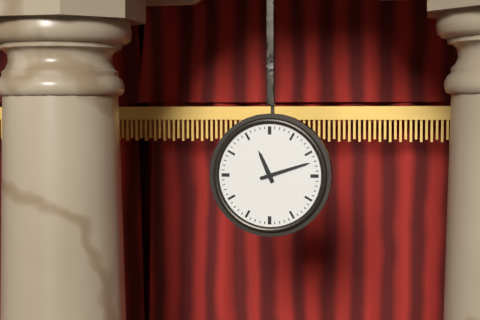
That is 11:12
